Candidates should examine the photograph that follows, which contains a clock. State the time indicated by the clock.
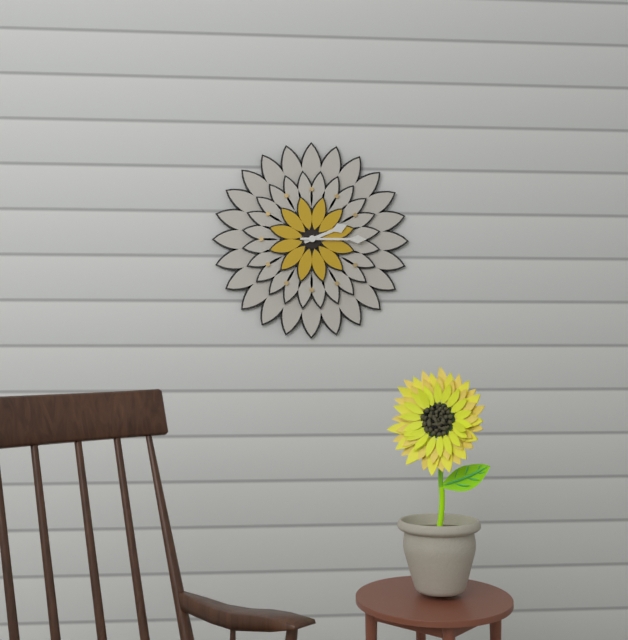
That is 2:15
